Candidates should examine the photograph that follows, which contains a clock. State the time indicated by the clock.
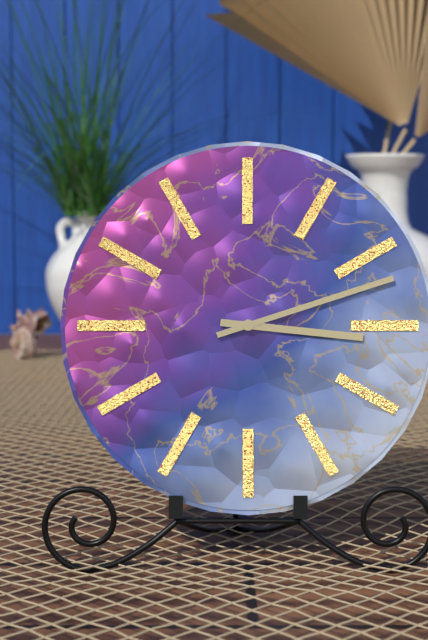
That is 3:12
